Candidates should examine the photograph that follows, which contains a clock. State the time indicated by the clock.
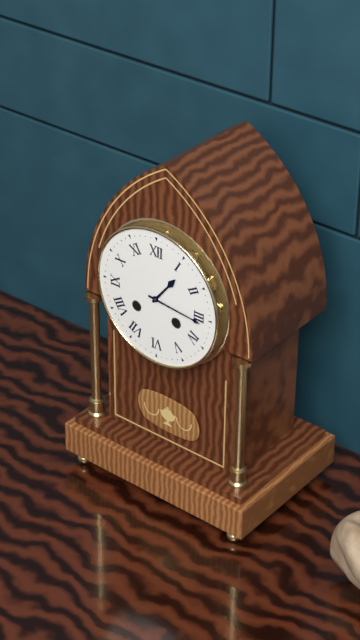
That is 1:16
